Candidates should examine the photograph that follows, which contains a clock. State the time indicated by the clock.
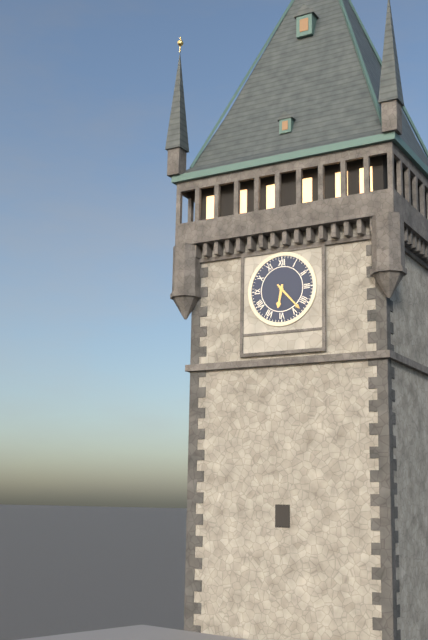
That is 6:23
